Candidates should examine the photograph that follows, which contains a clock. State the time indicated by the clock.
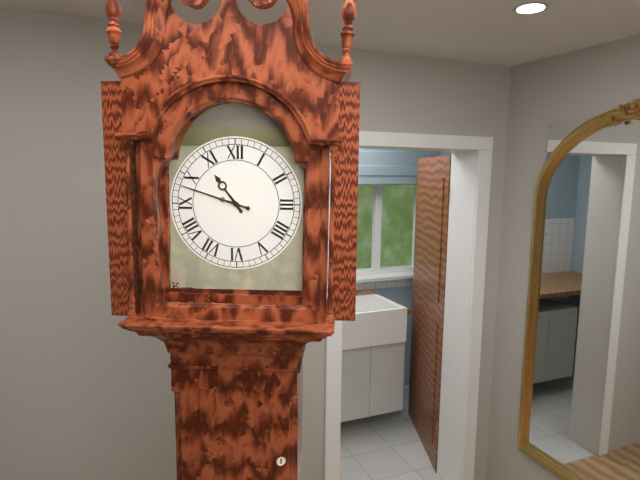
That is 10:48
